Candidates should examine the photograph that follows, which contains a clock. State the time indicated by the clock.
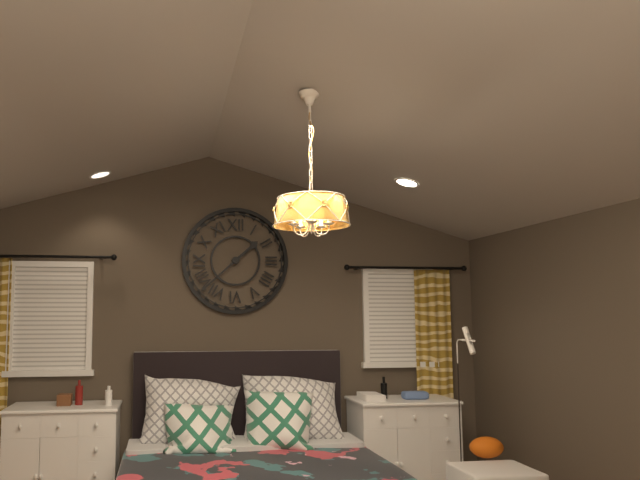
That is 1:38
